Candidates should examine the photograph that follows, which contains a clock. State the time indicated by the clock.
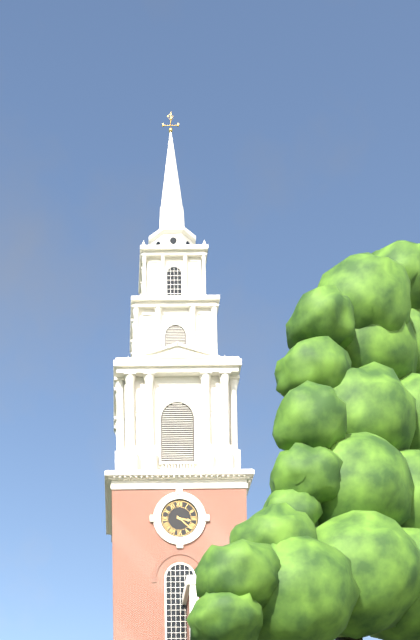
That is 3:22
